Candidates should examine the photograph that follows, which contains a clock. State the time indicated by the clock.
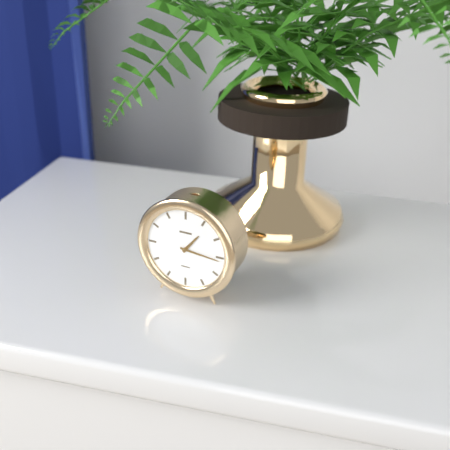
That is 1:16
